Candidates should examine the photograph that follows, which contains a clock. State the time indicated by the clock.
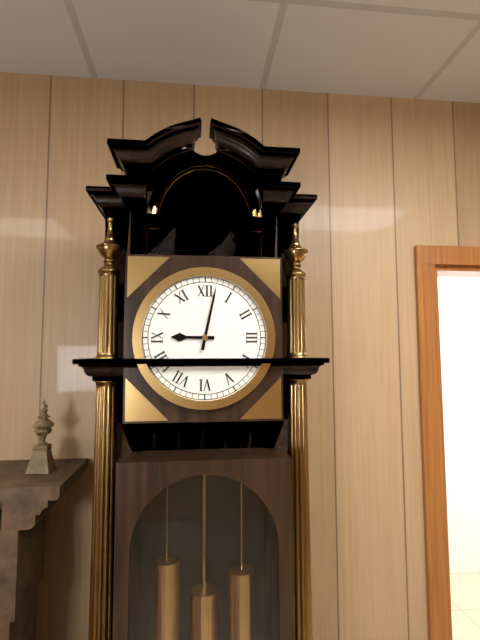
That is 9:02
